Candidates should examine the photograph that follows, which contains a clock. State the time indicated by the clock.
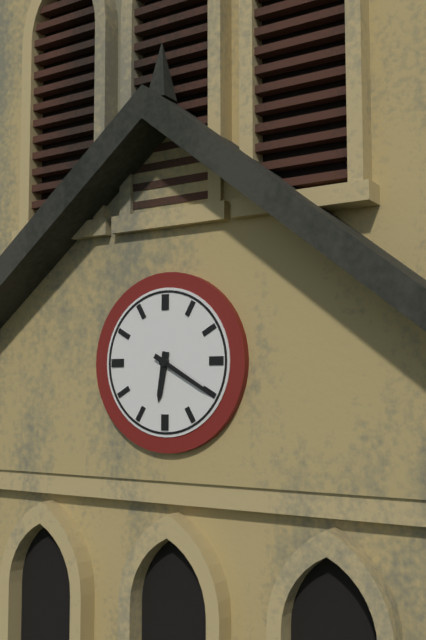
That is 6:20
